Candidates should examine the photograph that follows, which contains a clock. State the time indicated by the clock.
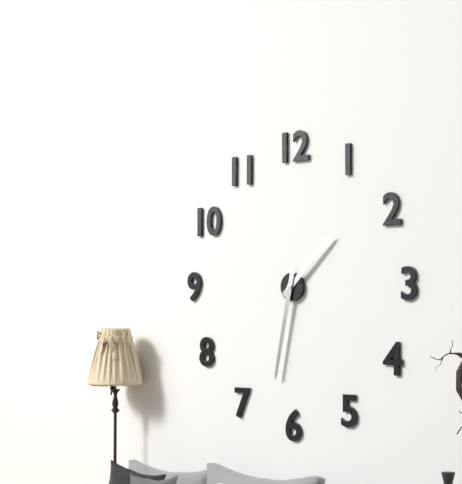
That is 1:32
